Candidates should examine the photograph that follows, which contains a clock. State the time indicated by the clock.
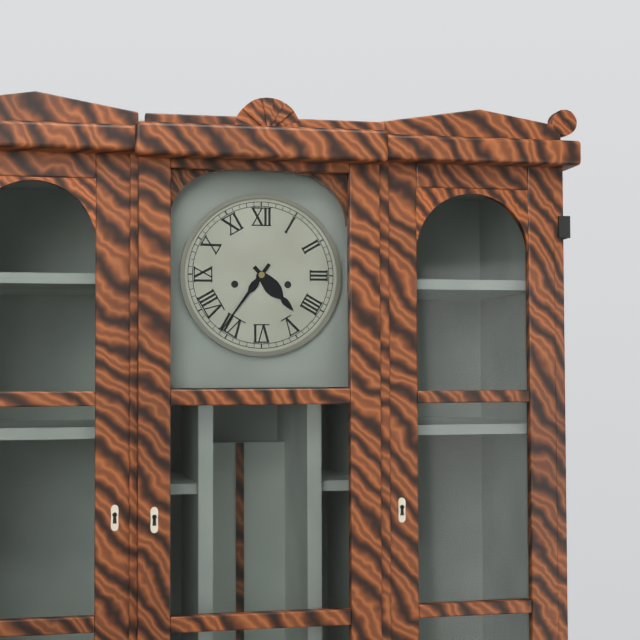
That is 4:36
